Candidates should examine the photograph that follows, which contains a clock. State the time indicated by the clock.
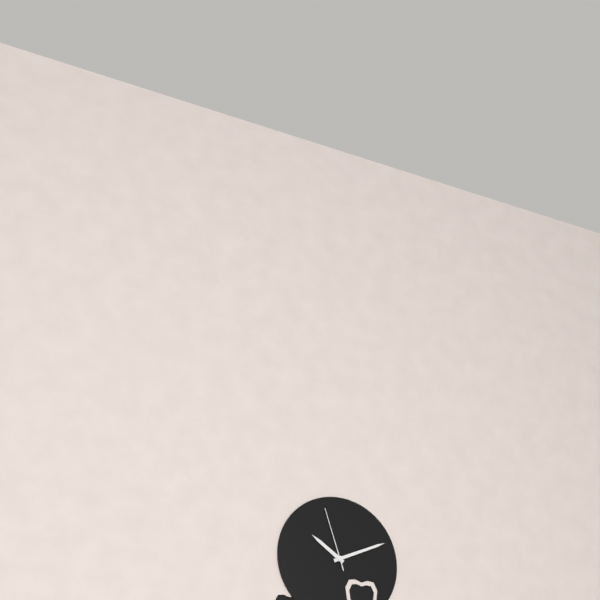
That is 10:11:57
